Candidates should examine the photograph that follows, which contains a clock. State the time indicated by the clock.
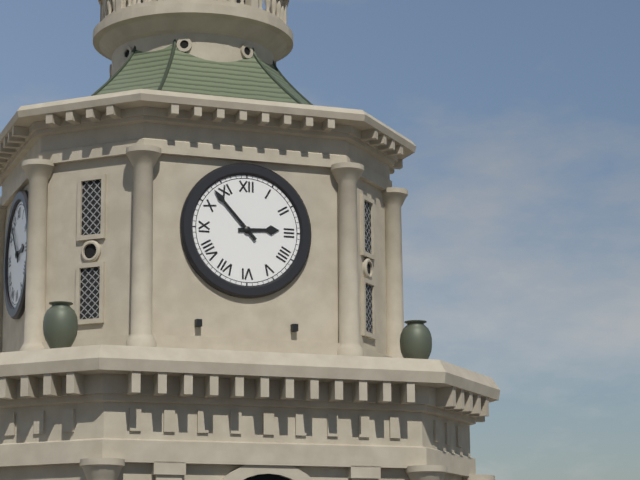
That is 2:53
